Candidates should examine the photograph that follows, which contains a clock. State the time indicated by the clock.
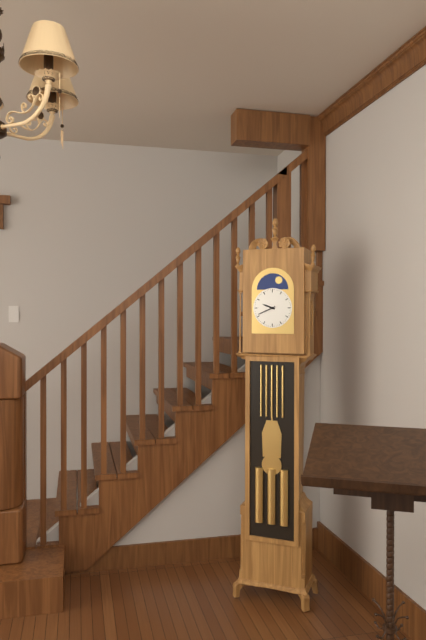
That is 9:41
